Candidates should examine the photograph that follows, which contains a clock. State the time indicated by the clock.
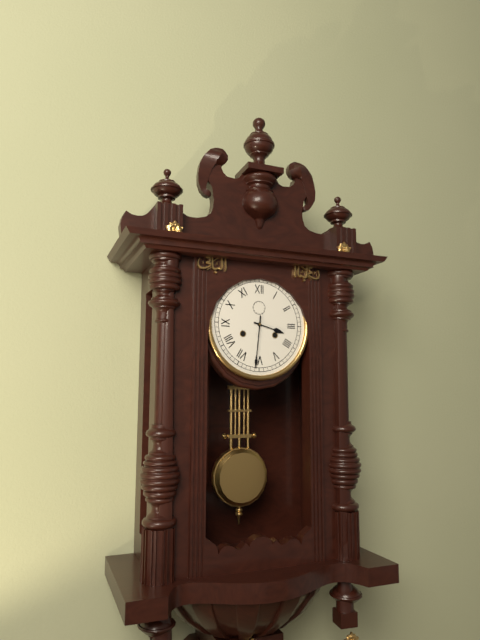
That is 3:31
